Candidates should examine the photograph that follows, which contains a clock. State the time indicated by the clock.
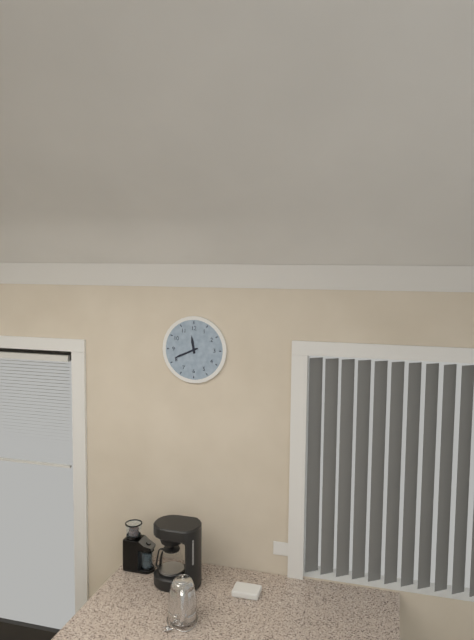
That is 11:41
